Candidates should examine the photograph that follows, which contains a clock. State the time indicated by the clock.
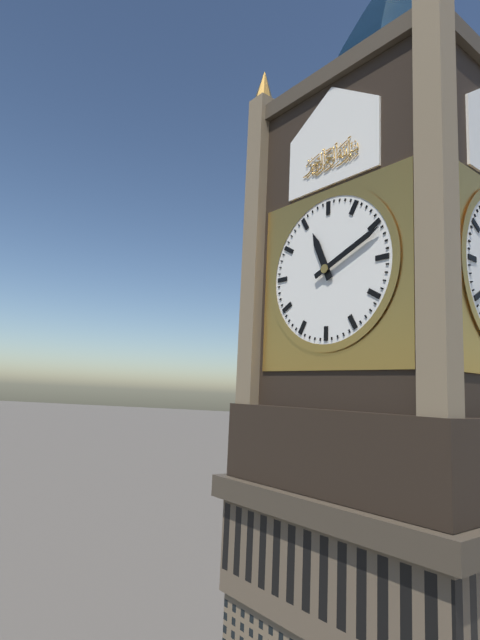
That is 11:11
